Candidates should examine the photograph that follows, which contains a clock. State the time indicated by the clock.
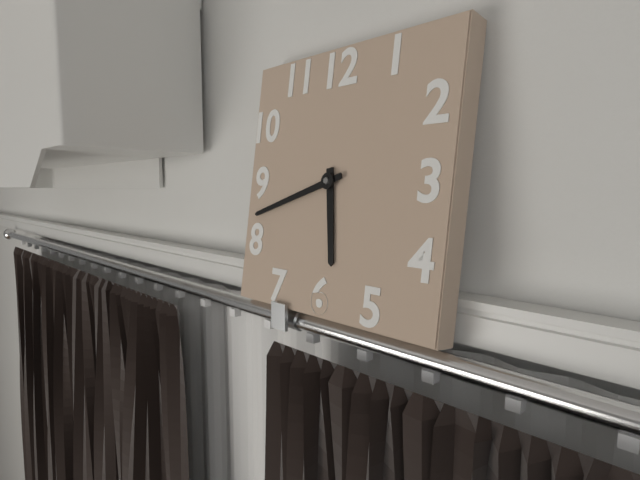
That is 5:42
